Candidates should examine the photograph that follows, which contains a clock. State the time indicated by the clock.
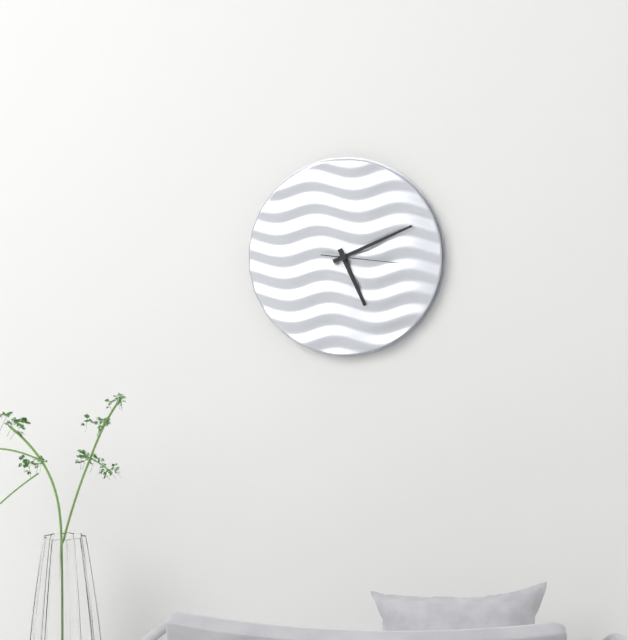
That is 5:11:16
